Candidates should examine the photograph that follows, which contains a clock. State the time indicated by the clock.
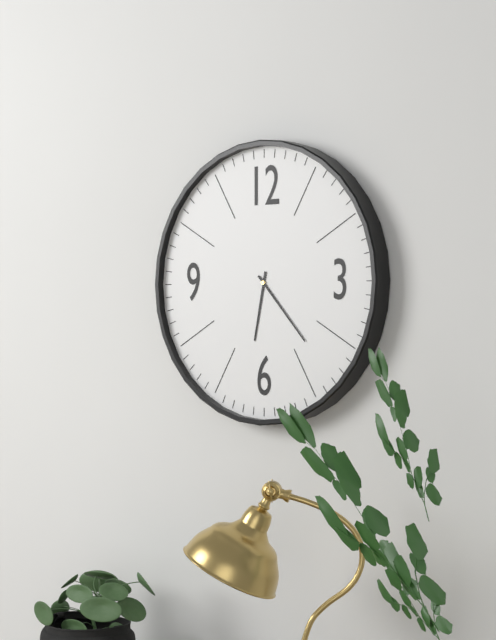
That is 6:23
